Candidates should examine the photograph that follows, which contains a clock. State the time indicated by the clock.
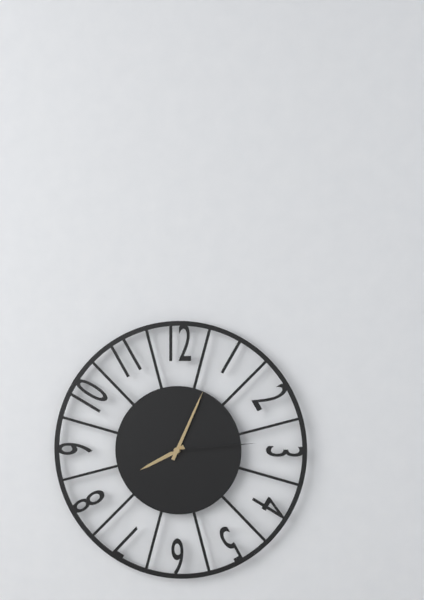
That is 8:04:14
